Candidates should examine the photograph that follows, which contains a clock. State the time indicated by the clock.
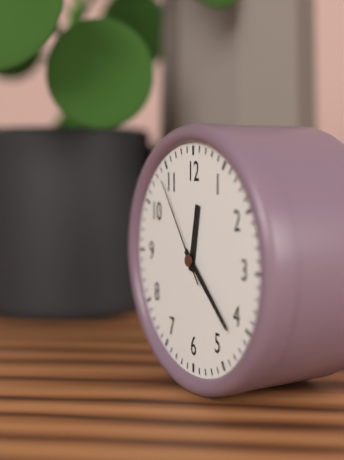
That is 12:22:54
